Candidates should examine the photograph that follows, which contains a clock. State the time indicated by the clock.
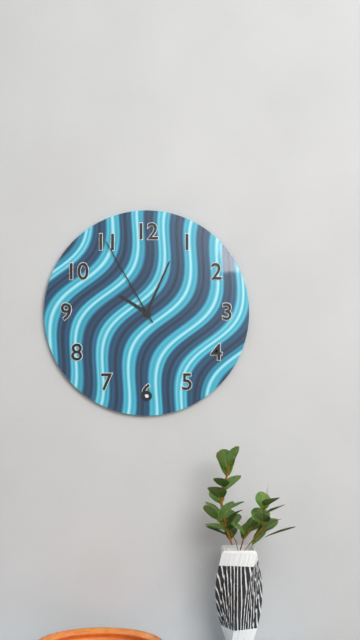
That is 10:04:55
